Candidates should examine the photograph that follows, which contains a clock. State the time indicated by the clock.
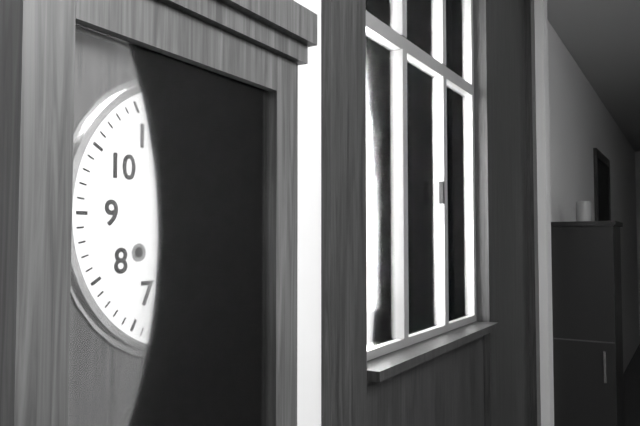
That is 5:04
